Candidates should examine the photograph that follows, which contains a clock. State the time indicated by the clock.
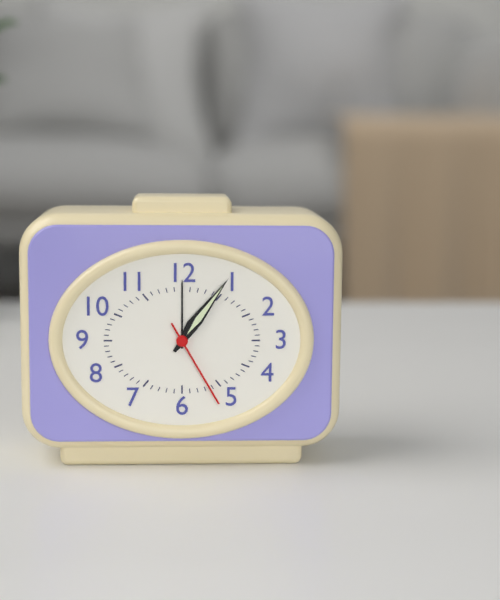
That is 1:06:25
